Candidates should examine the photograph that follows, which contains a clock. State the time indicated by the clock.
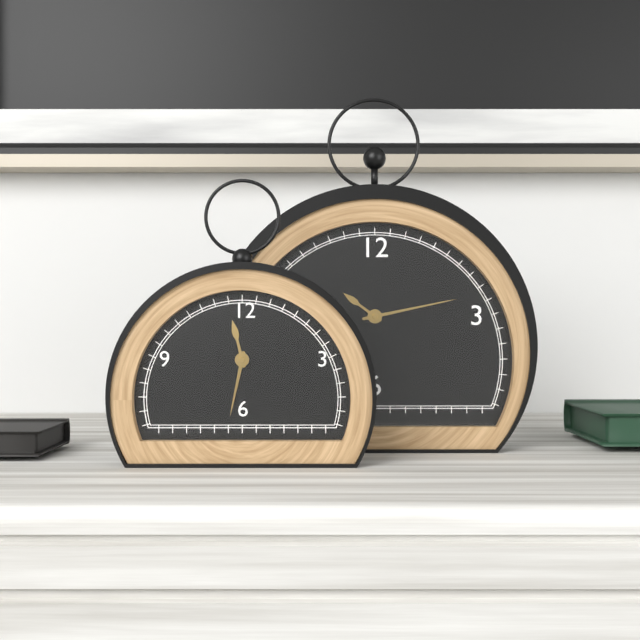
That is 11:32
